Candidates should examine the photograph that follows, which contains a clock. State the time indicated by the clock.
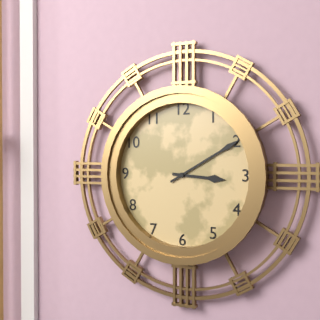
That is 3:10
